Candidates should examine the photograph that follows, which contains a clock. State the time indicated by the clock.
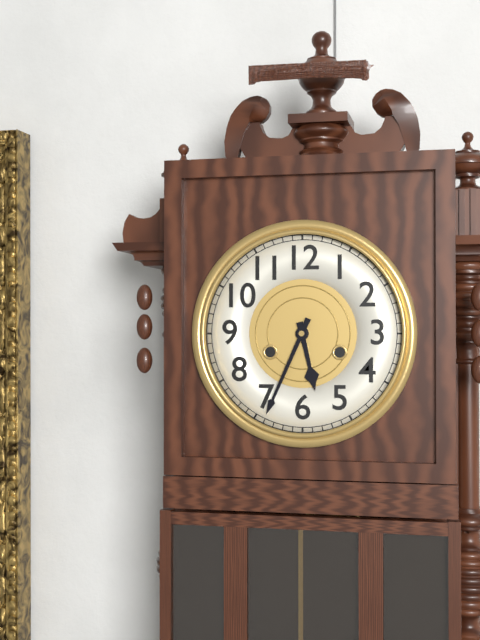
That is 5:34
